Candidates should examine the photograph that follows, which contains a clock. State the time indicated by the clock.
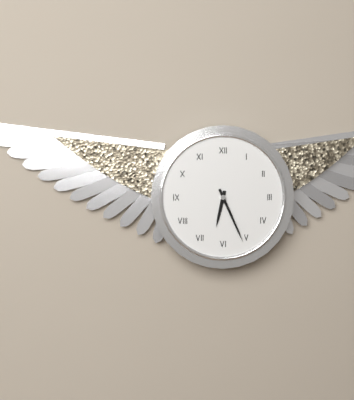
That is 6:26
